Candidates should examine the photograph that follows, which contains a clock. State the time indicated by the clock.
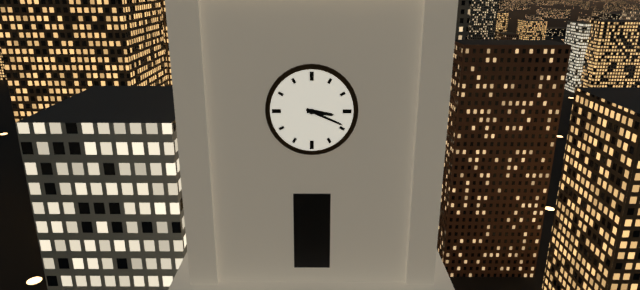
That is 3:19
